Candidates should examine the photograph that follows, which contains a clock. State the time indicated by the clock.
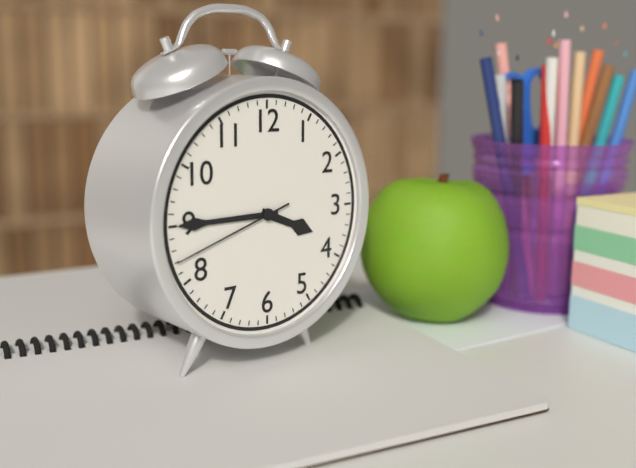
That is 3:45:42
